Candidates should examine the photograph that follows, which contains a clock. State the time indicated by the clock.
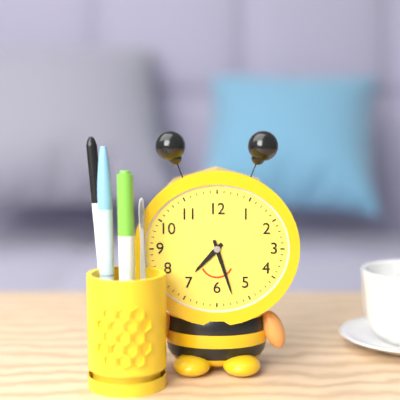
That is 7:27
